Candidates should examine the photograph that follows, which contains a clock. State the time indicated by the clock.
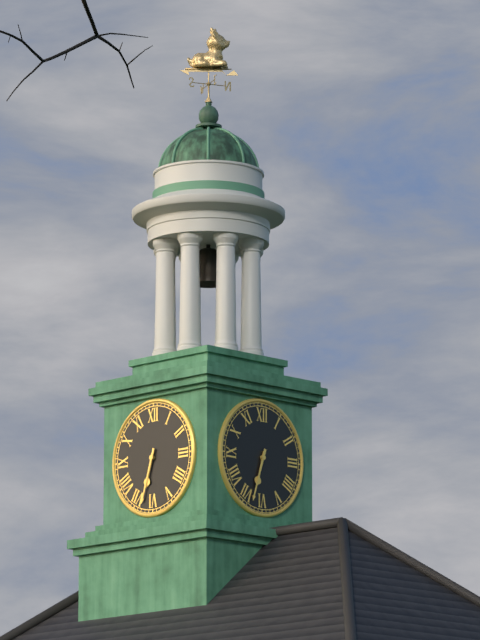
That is 6:33
